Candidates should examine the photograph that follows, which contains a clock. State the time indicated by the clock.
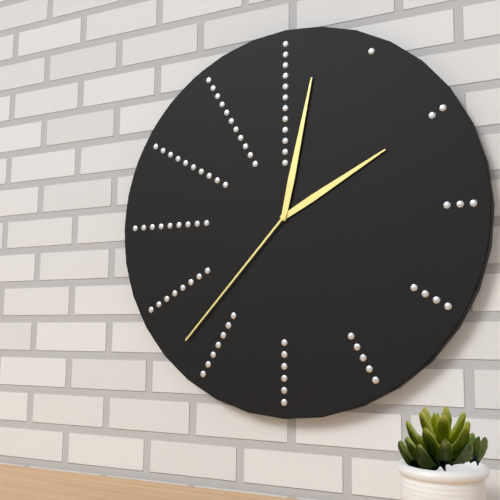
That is 2:02:37
